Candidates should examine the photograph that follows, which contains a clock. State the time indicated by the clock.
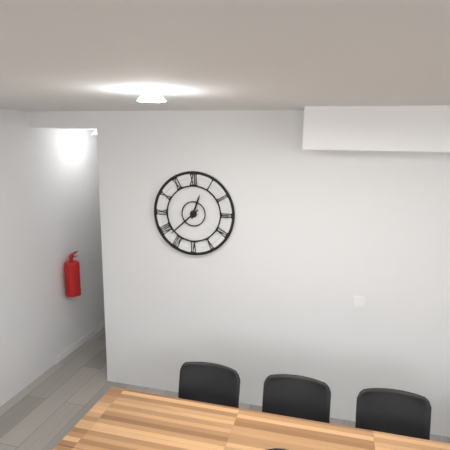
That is 12:38
